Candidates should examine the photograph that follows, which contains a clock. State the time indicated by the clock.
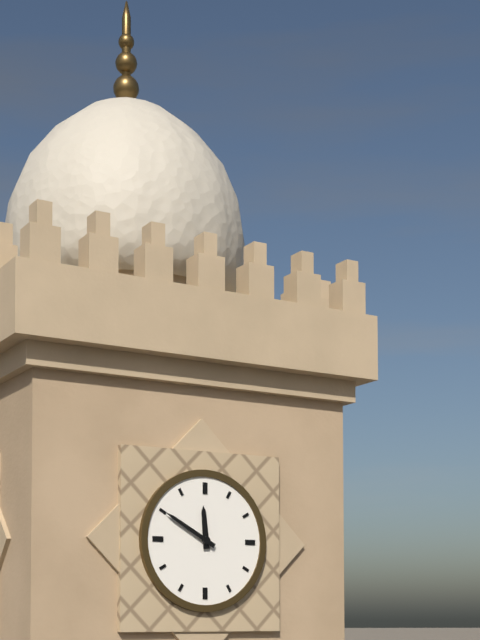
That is 11:50
